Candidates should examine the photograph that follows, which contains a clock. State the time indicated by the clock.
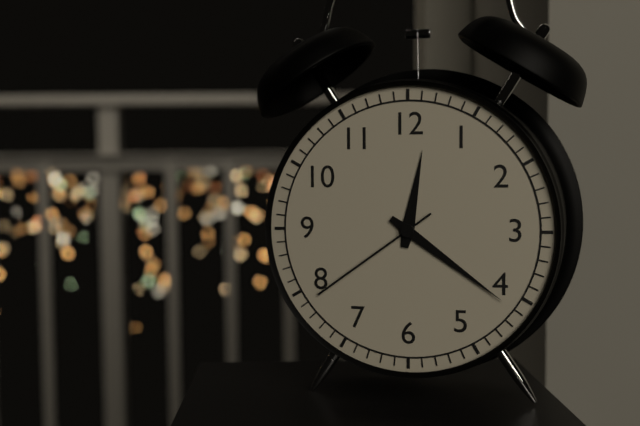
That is 12:21:39
